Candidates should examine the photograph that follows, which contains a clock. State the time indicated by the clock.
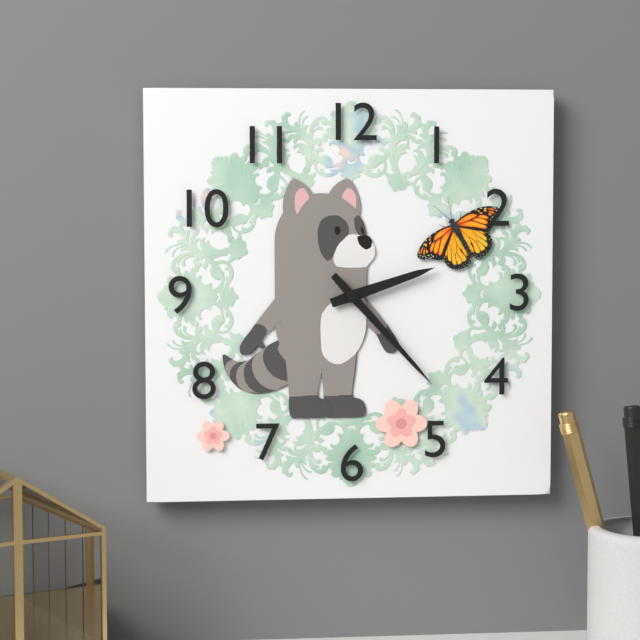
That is 2:23
